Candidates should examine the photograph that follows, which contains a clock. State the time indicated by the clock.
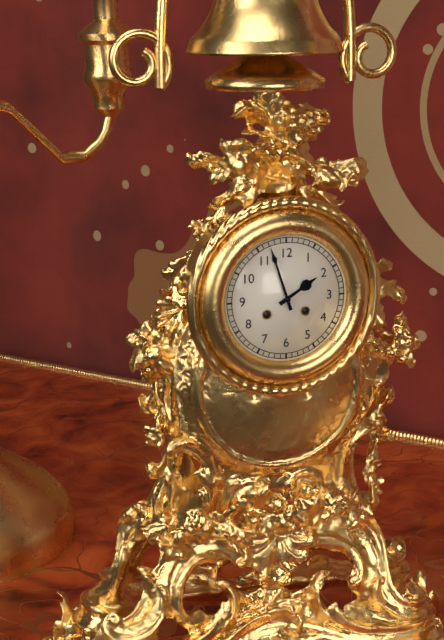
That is 1:57
